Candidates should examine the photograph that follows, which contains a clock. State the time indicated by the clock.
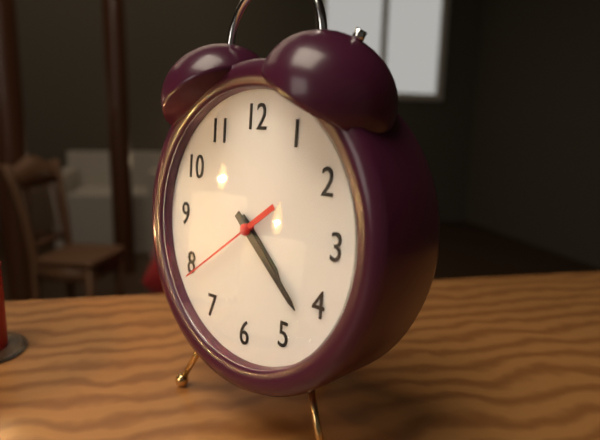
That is 4:22:39
